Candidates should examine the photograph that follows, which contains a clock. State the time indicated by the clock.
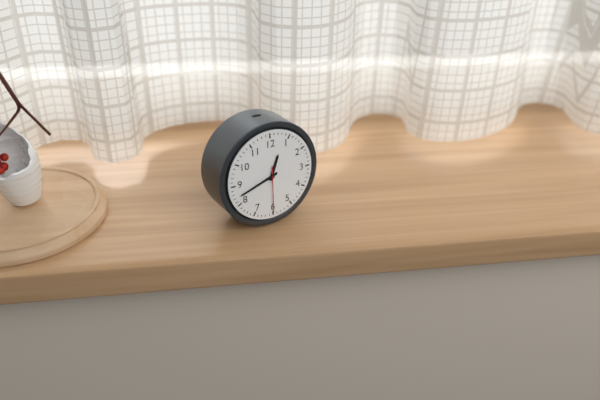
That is 12:42
